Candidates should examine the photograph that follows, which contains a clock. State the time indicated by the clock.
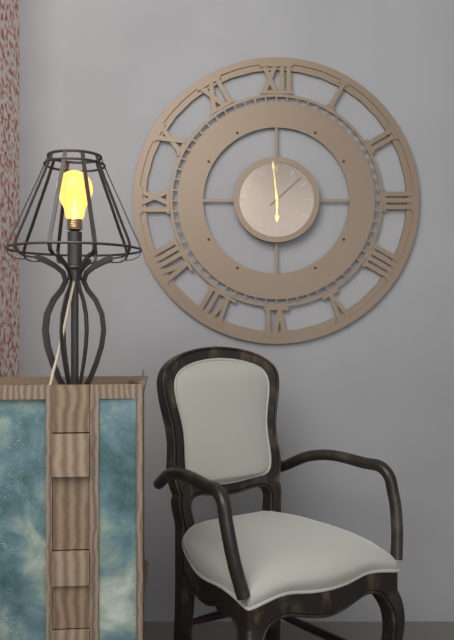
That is 5:59
